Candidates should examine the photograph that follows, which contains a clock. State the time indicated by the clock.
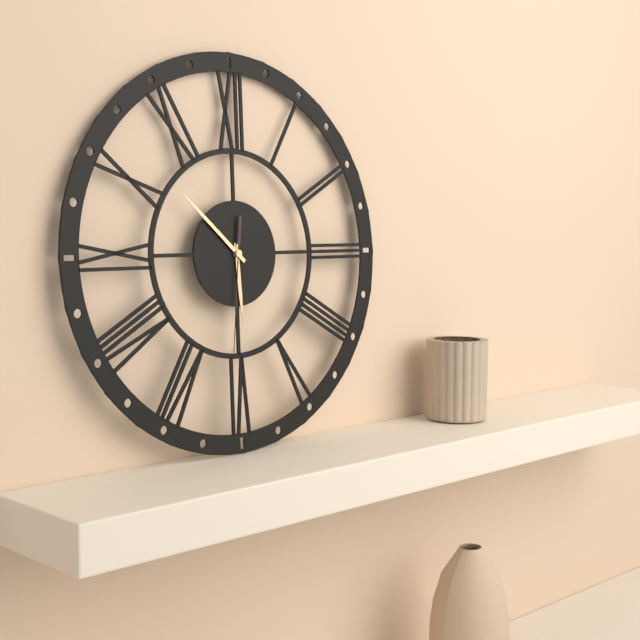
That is 5:52:31
